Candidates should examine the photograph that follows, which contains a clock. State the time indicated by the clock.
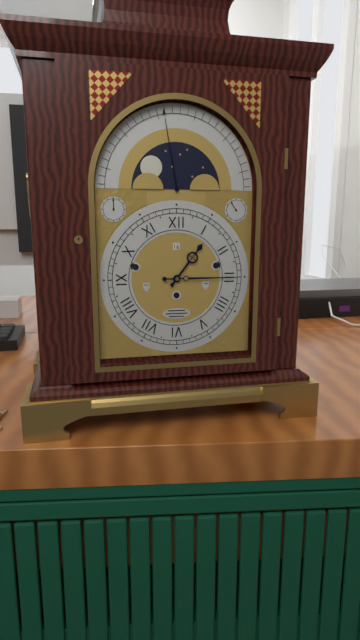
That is 1:15
